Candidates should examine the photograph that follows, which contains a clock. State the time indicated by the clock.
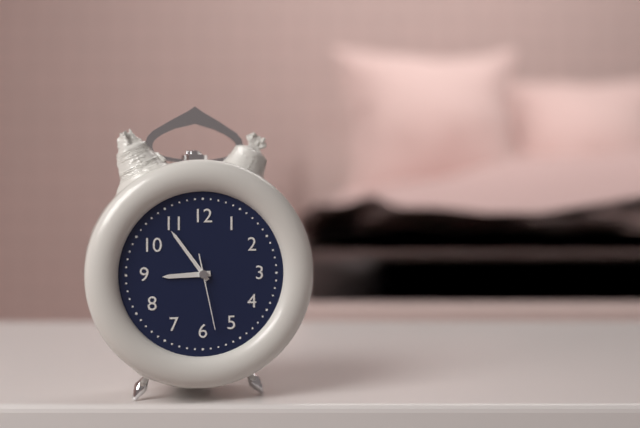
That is 8:54:28
